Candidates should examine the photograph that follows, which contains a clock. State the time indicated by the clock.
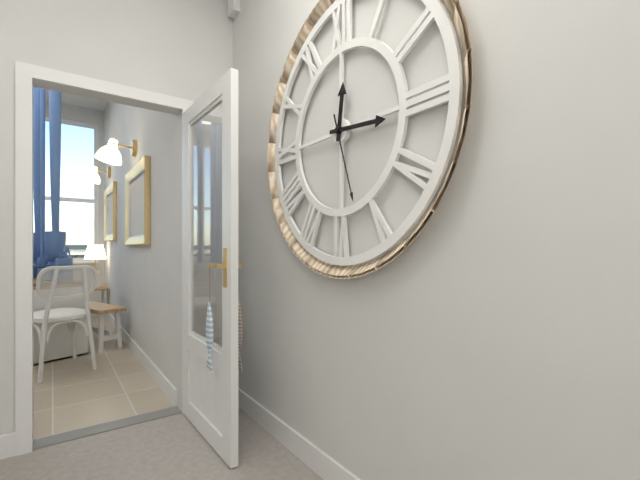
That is 12:16:27
